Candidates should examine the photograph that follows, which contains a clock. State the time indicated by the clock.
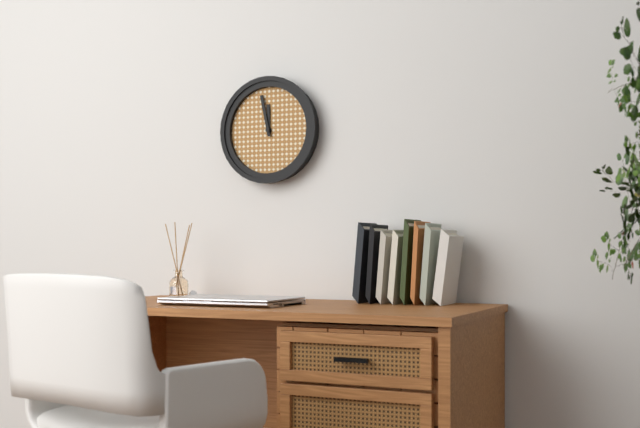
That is 11:58
